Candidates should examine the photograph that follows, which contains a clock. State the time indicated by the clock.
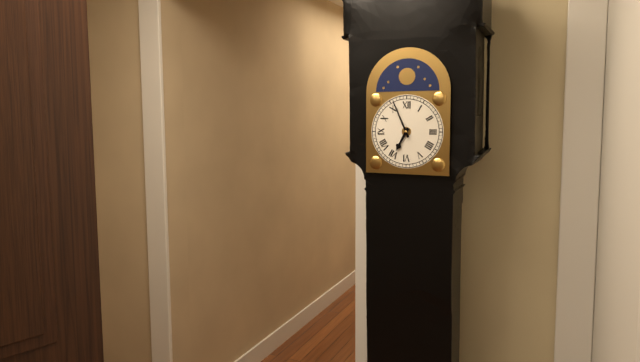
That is 6:56
